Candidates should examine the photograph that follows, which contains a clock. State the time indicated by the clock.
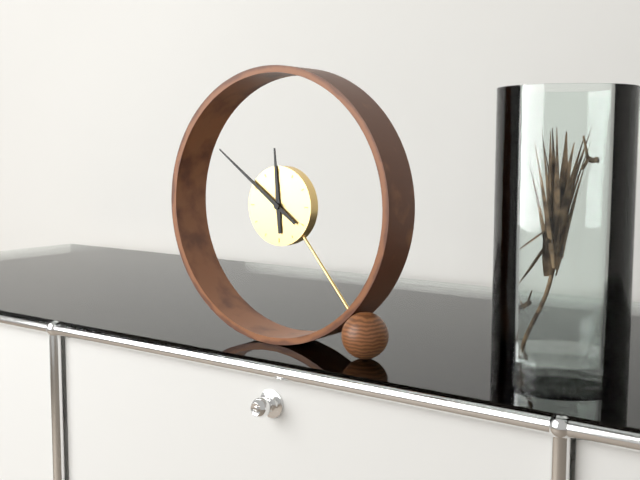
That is 11:51
